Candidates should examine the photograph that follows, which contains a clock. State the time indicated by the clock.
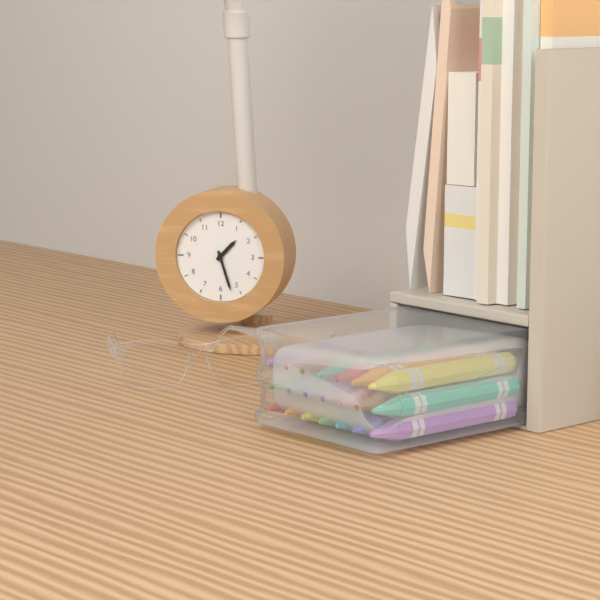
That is 1:27
